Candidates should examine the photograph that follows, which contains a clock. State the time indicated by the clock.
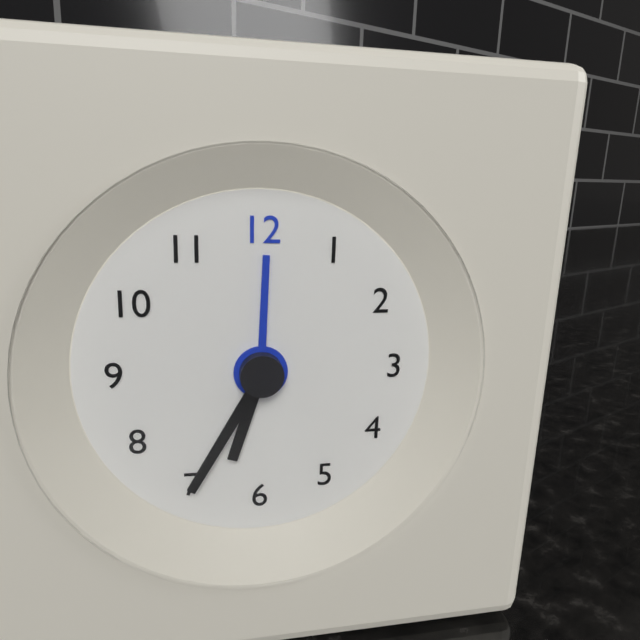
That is 6:35
